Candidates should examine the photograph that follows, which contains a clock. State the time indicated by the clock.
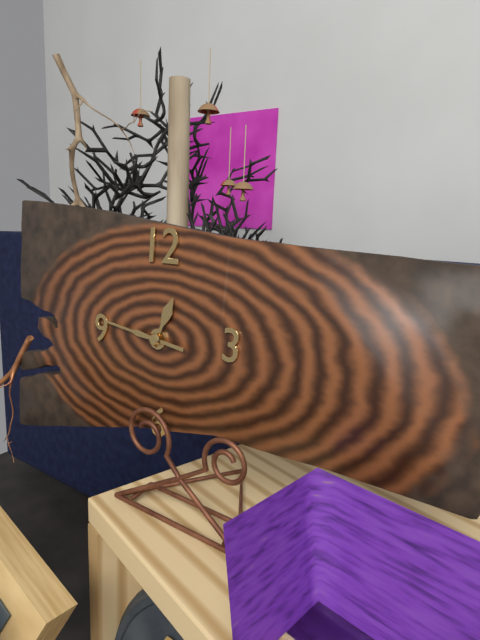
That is 12:46
